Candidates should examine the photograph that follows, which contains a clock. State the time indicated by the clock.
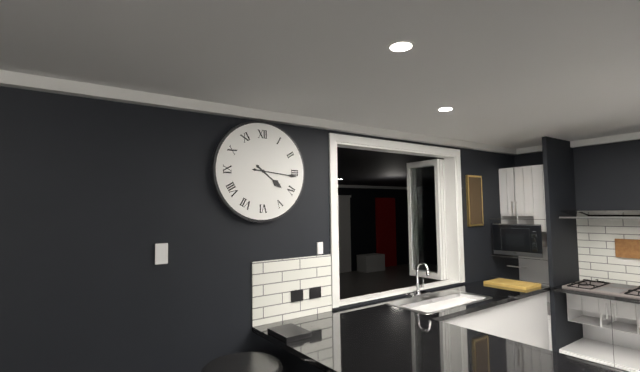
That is 4:16
